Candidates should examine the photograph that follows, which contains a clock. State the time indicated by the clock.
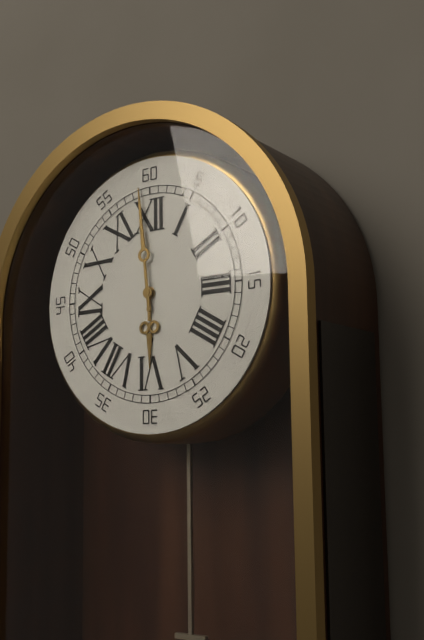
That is 5:59
